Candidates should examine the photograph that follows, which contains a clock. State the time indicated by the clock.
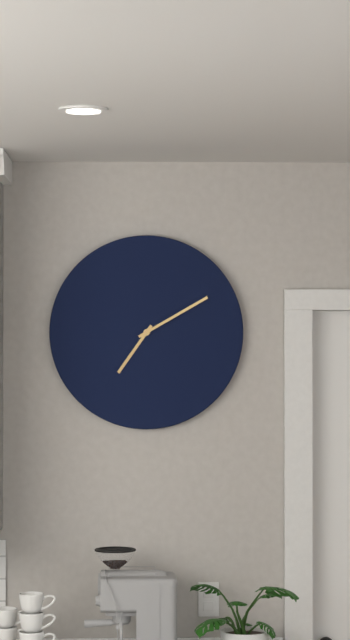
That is 7:10
